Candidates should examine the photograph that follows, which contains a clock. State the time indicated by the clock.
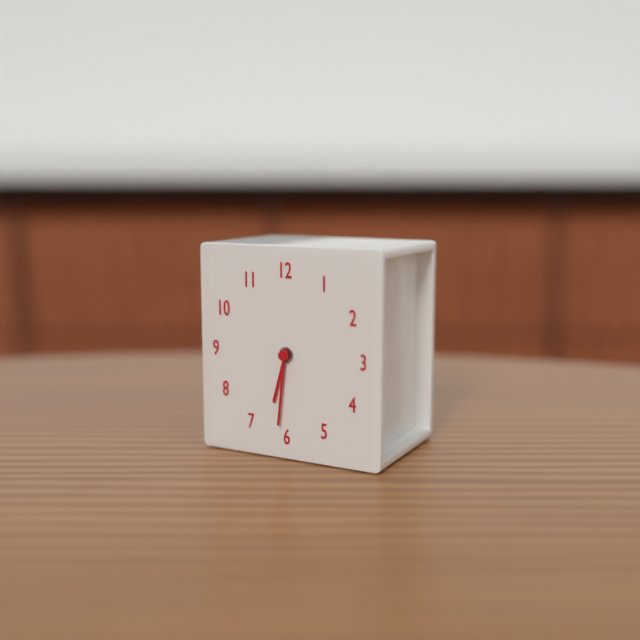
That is 6:31
